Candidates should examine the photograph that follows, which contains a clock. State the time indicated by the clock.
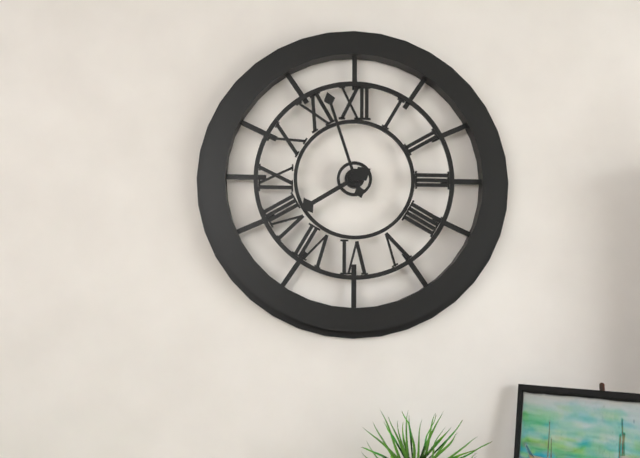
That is 7:57
